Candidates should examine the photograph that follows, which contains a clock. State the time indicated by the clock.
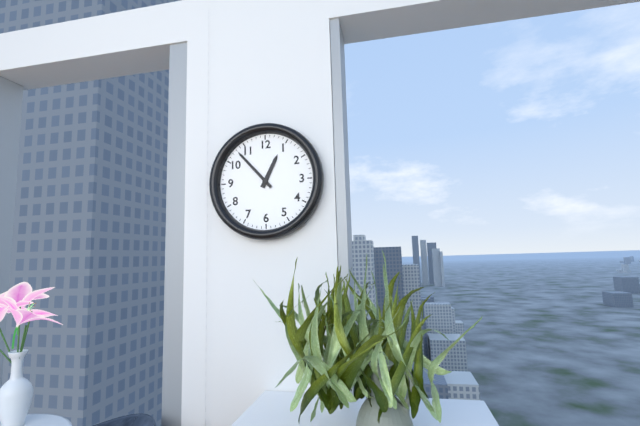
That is 12:53
